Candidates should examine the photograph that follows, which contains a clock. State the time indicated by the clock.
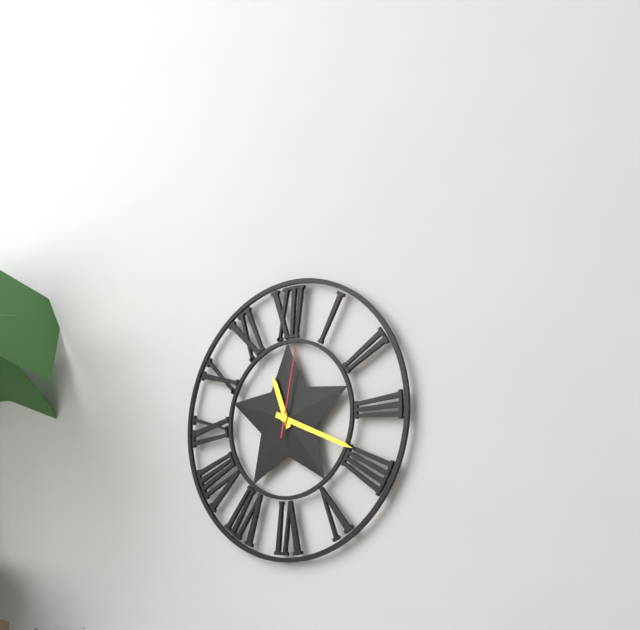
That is 11:19:02
